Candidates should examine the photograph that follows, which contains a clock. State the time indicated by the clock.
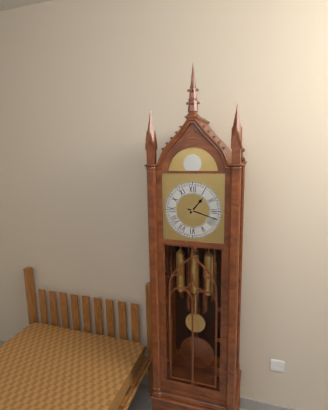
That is 1:18
